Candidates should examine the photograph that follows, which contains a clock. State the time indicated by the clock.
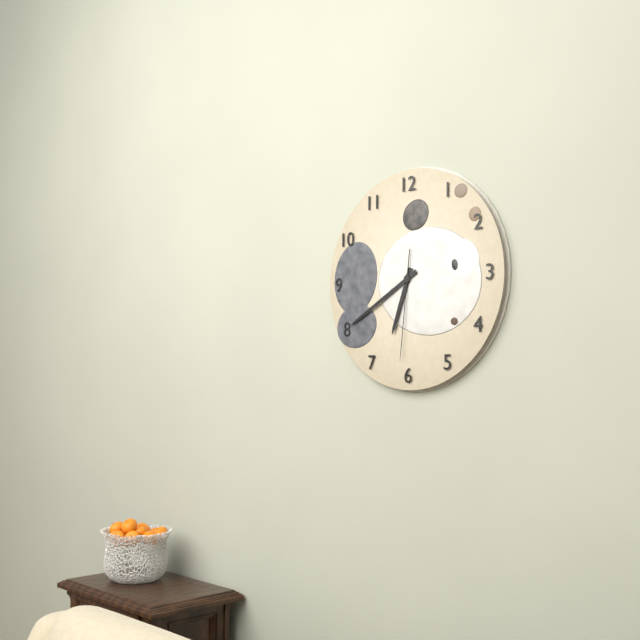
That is 6:40:31
